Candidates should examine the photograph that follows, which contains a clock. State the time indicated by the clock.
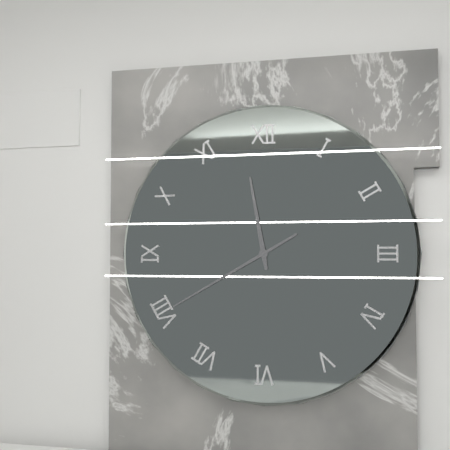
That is 11:40
